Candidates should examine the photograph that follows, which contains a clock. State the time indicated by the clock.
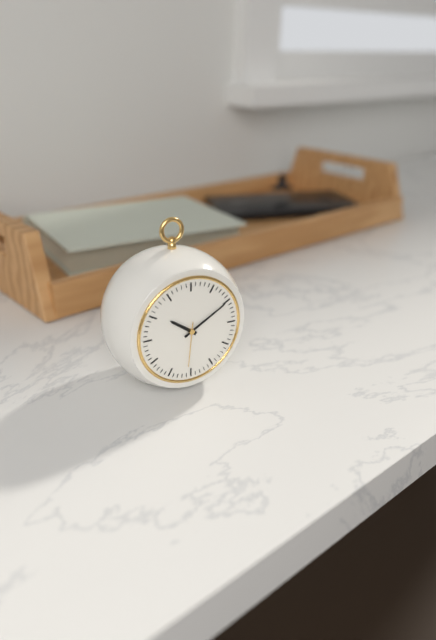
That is 10:10
